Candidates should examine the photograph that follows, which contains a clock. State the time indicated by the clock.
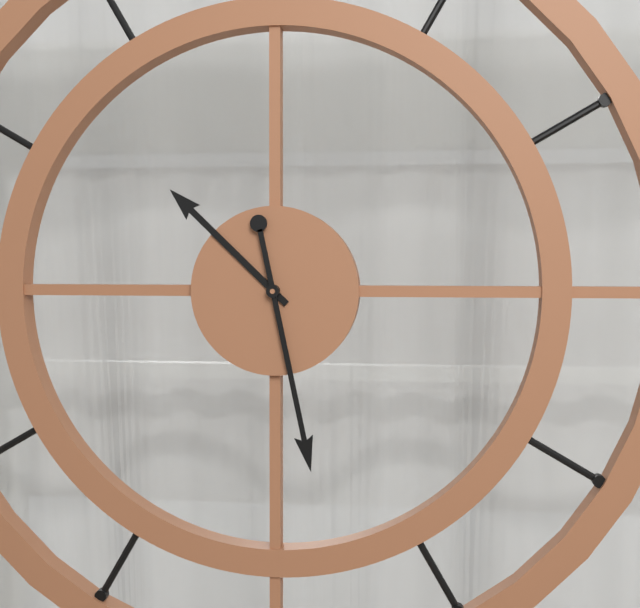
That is 10:28
